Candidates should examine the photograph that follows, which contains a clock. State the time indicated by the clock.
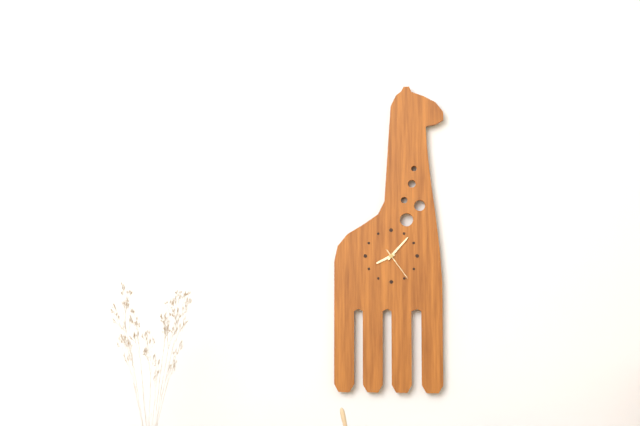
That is 8:07
